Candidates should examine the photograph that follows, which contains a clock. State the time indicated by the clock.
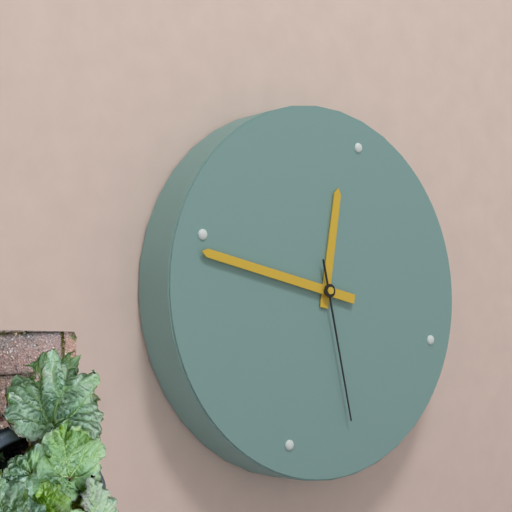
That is 11:44:25
